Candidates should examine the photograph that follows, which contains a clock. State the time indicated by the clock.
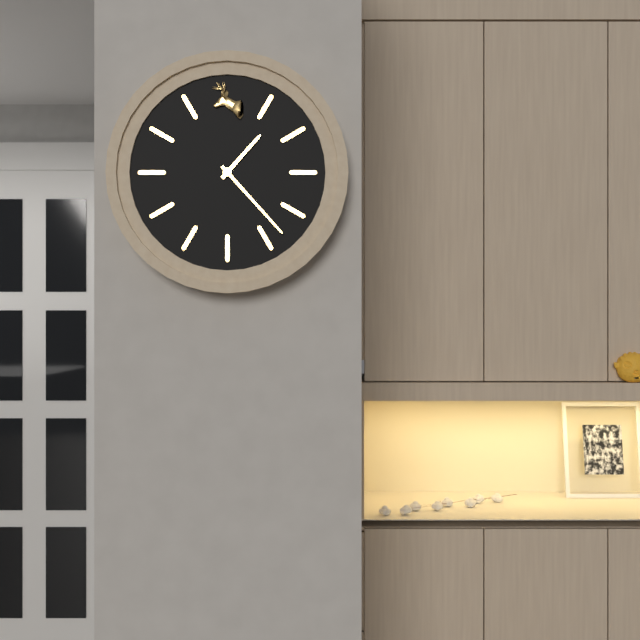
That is 1:23
